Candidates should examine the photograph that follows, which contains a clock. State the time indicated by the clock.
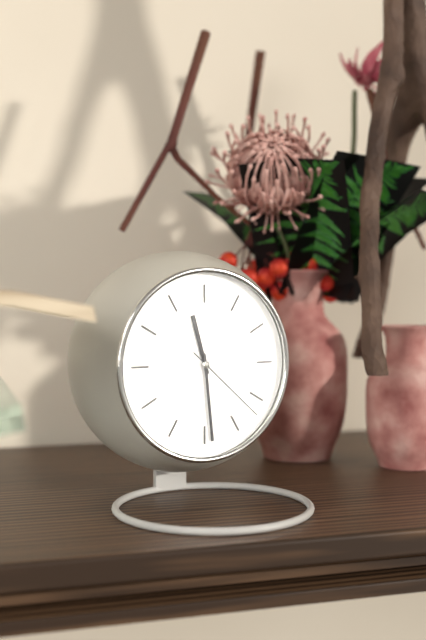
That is 11:29:22
